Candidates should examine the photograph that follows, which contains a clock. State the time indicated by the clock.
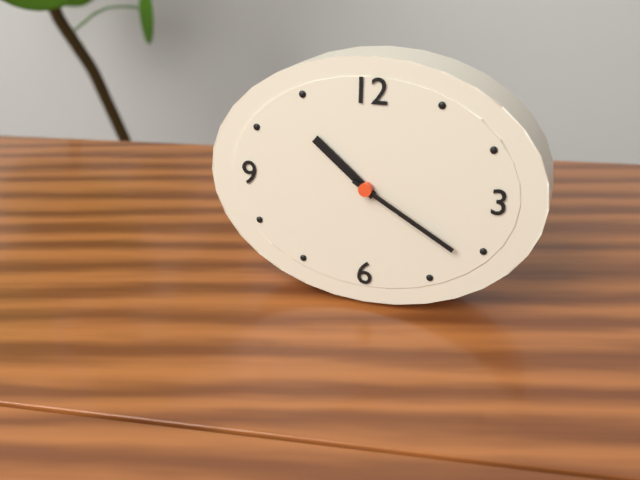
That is 10:20
